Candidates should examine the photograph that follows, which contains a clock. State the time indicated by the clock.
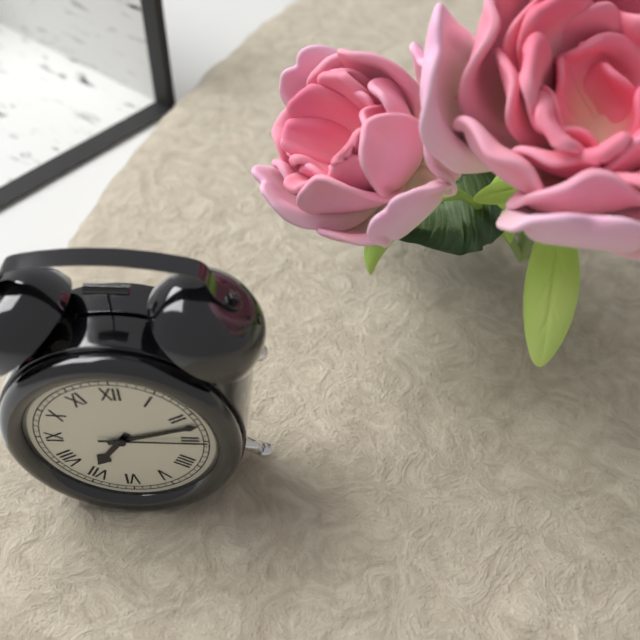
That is 7:12:15
